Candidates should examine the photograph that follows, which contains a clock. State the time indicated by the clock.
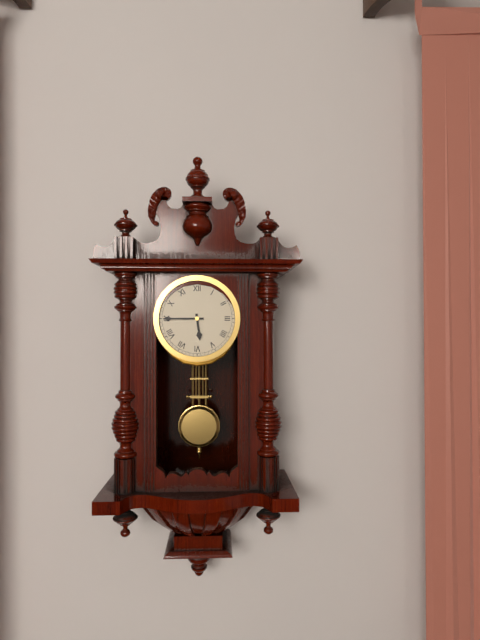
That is 5:45
